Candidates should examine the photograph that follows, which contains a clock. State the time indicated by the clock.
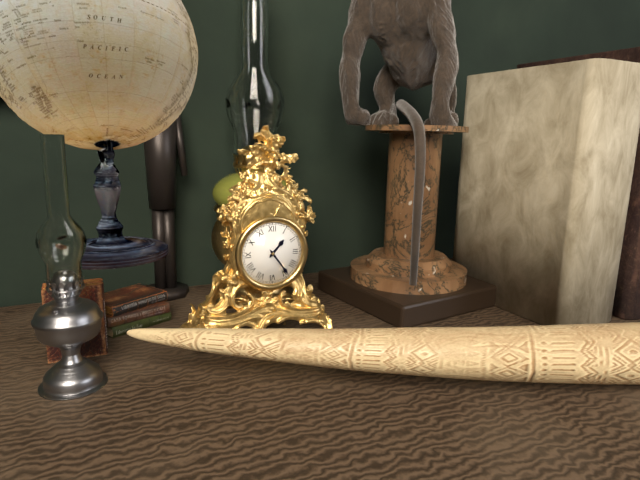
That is 1:24
